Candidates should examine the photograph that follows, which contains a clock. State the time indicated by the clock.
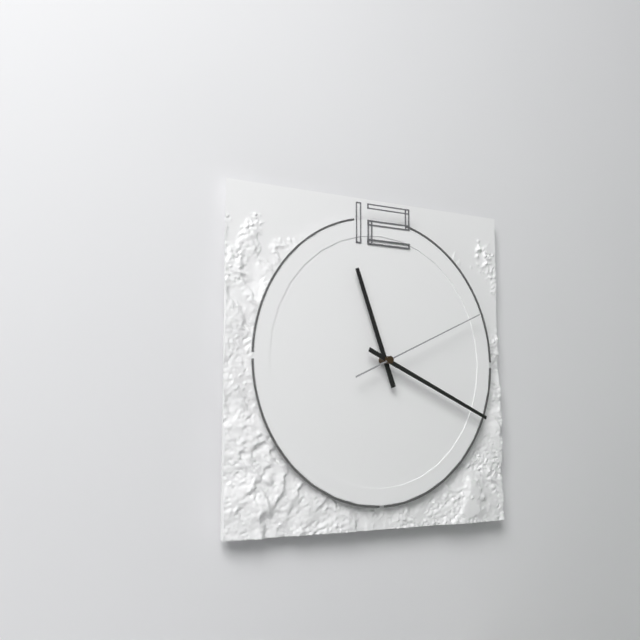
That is 11:19:11
